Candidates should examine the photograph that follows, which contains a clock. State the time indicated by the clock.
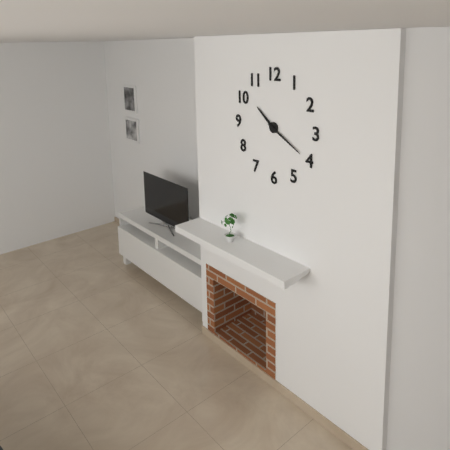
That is 10:20
